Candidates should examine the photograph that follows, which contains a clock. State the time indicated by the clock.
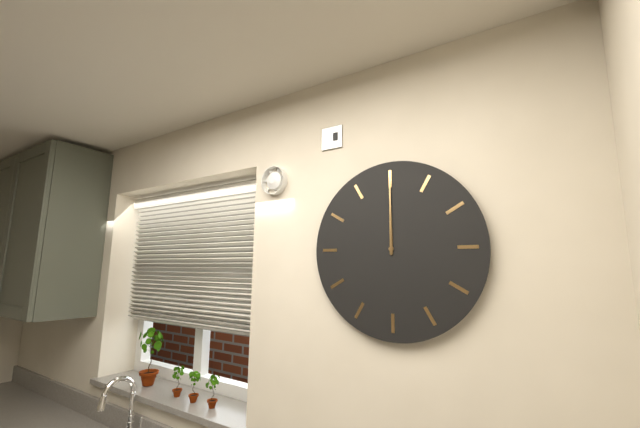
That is 12:00
